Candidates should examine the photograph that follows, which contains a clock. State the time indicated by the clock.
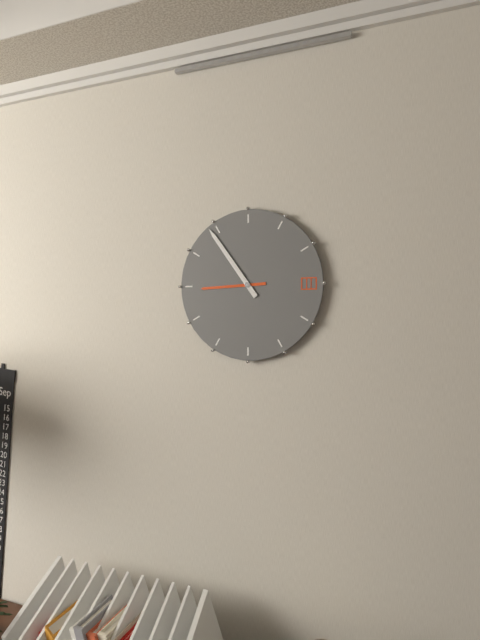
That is 8:54
